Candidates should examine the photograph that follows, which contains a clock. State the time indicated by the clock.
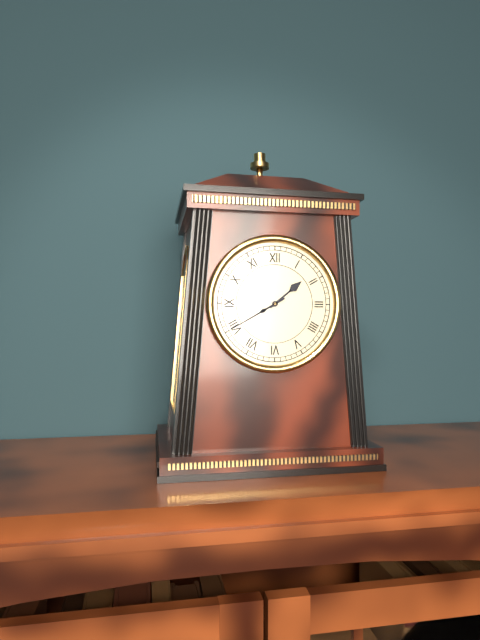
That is 1:40
